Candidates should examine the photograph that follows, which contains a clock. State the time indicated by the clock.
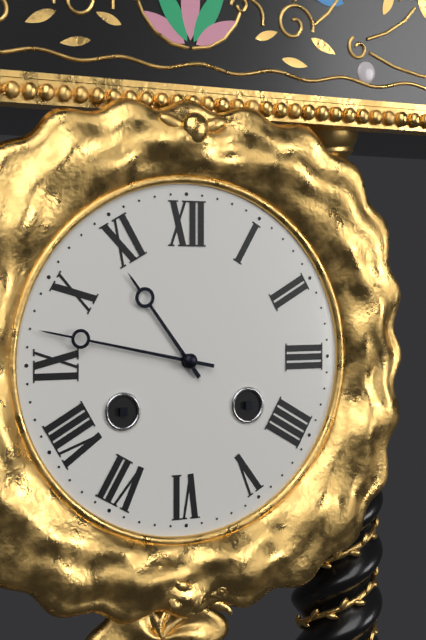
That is 10:47
